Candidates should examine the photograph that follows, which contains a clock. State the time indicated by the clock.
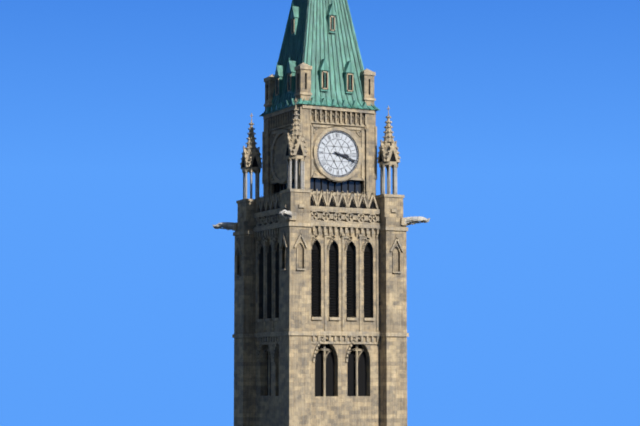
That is 3:18
